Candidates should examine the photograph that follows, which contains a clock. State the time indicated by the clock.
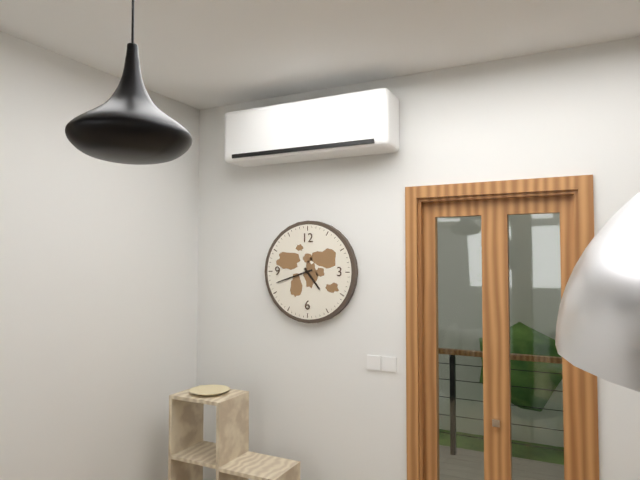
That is 4:42
